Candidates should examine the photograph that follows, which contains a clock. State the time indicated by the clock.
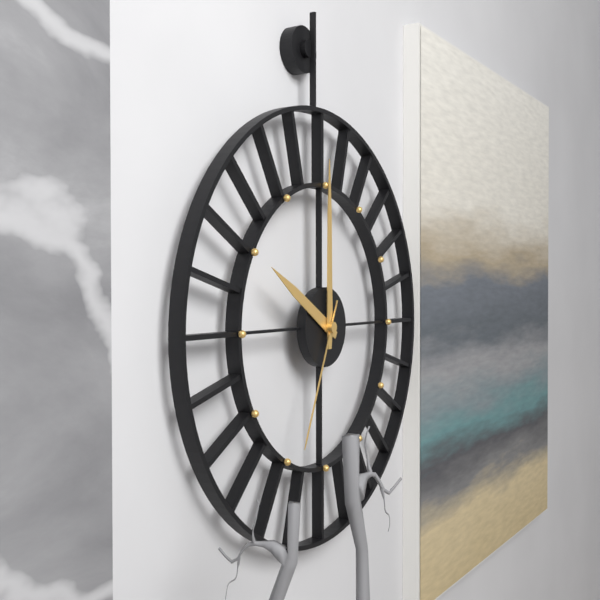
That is 10:00:34
